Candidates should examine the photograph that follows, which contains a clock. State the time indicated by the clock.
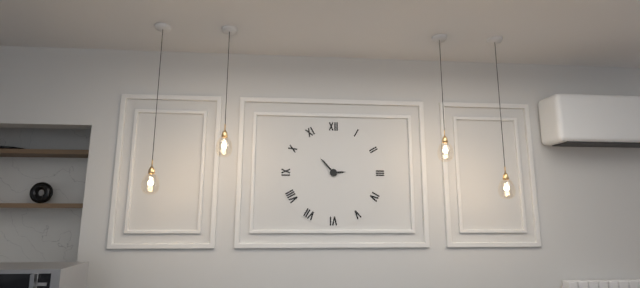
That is 2:53
